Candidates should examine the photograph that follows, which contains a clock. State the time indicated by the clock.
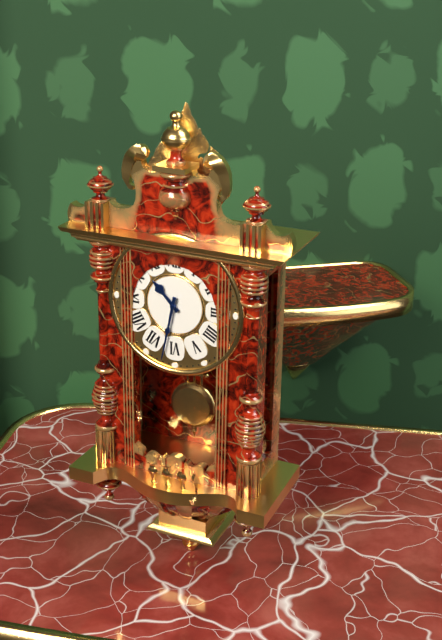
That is 10:32
